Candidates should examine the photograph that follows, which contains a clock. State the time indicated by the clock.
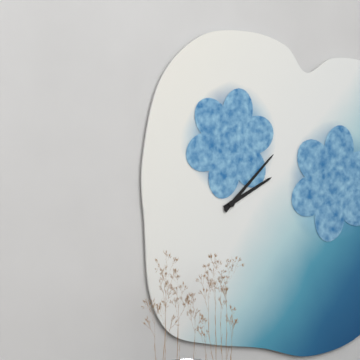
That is 2:08
